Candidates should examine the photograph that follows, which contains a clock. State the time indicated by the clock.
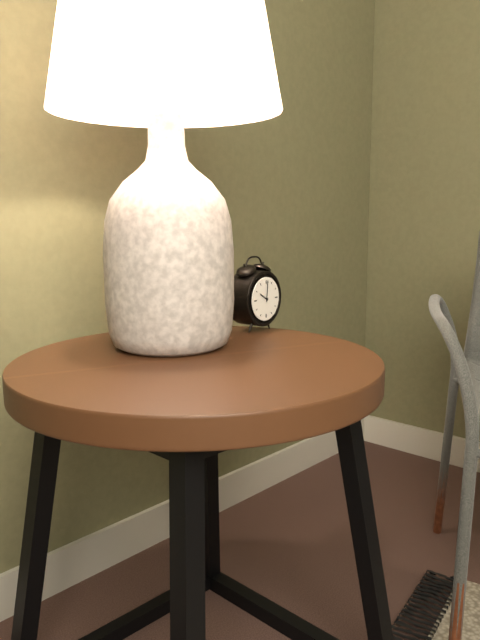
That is 10:01
